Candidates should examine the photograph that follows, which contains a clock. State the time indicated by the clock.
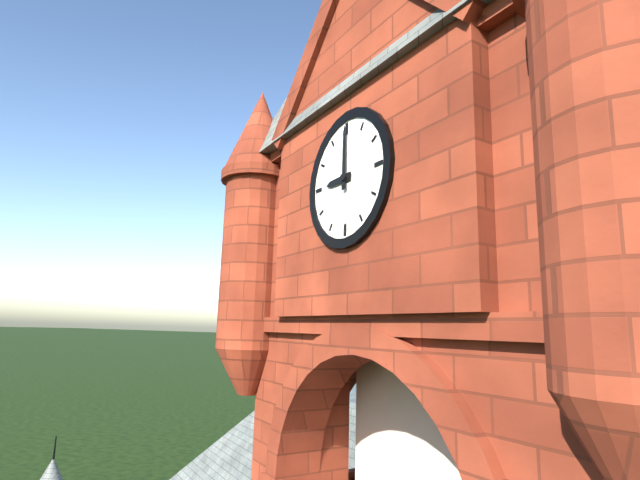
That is 9:00
